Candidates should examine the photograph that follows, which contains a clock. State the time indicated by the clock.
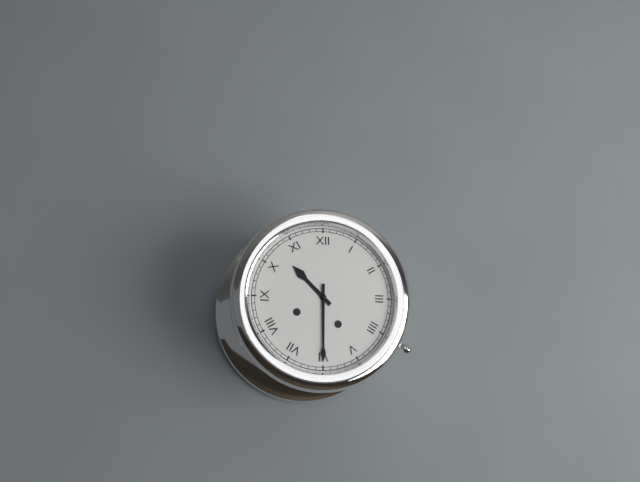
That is 10:30
